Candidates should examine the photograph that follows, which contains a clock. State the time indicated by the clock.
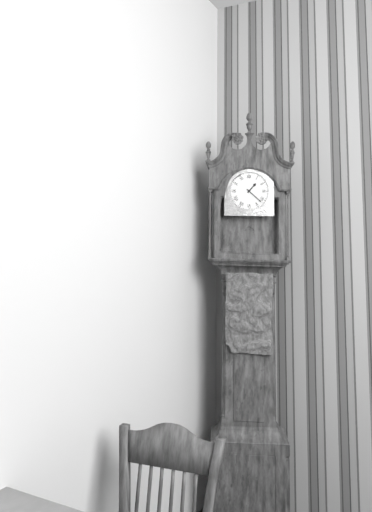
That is 1:22
